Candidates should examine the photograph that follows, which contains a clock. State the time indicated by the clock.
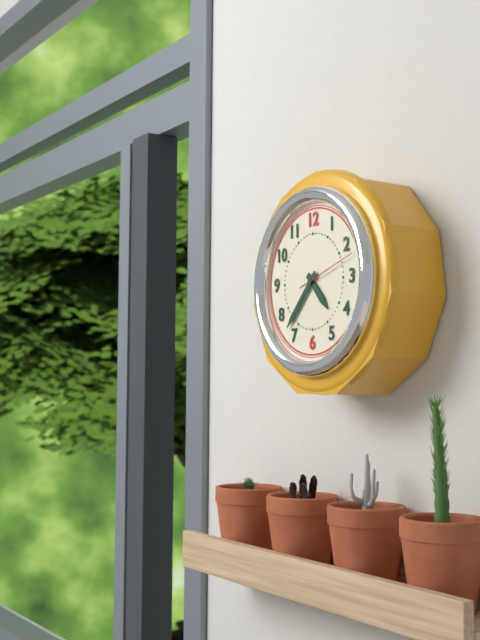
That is 4:37:12
